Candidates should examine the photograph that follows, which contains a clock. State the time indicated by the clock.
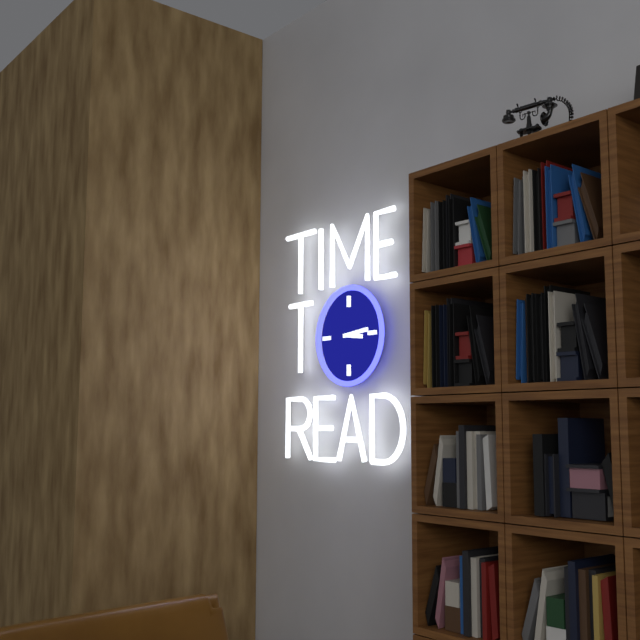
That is 3:14
